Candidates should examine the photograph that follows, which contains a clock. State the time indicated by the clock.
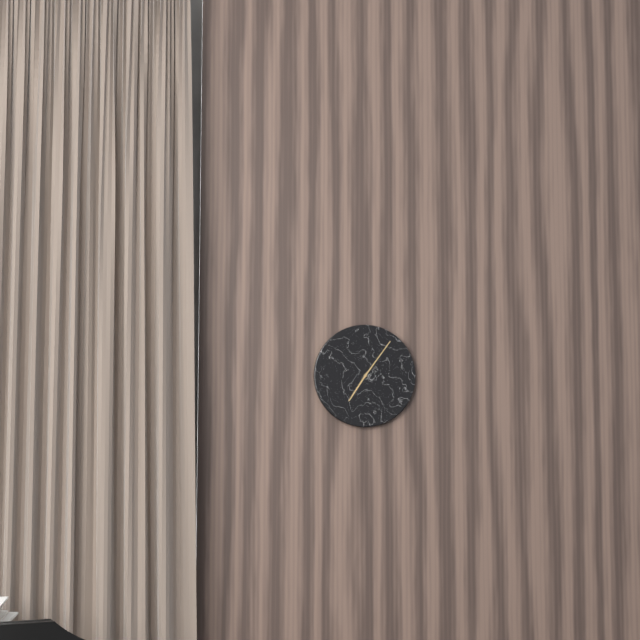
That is 7:06
